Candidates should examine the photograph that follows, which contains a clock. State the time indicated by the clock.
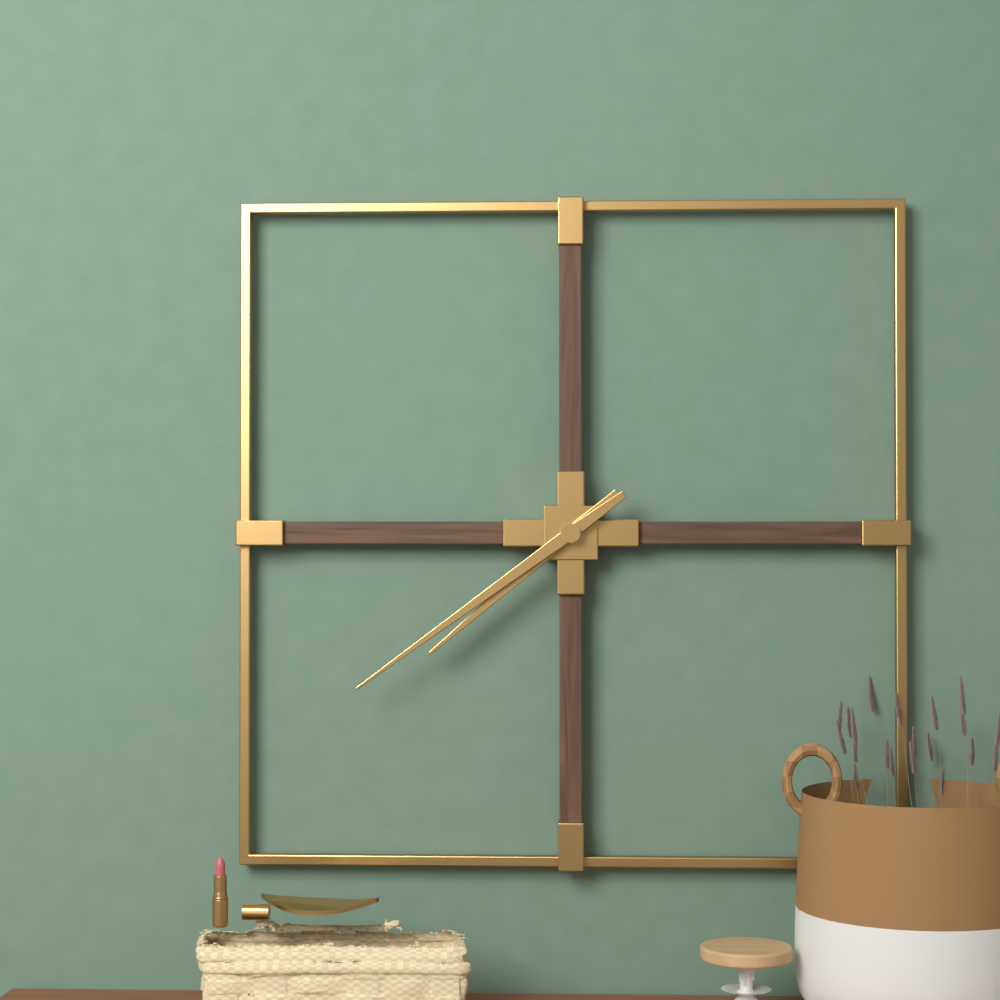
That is 7:39
